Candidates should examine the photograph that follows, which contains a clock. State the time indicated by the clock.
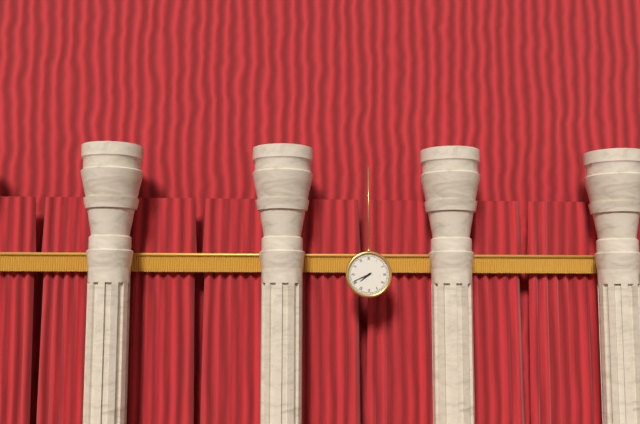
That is 7:41
